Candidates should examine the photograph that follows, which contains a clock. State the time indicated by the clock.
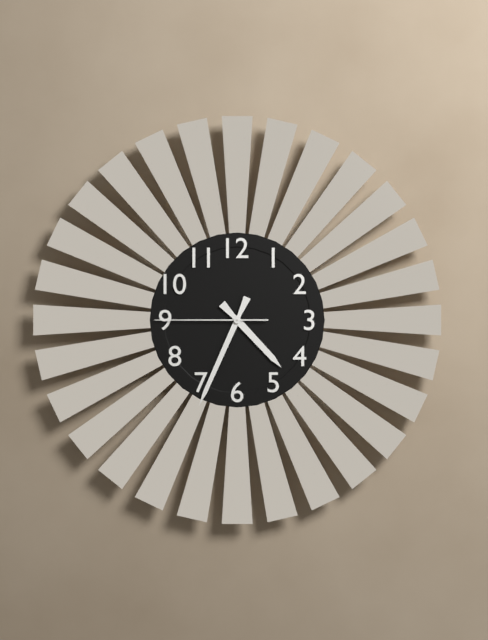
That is 4:34:45
